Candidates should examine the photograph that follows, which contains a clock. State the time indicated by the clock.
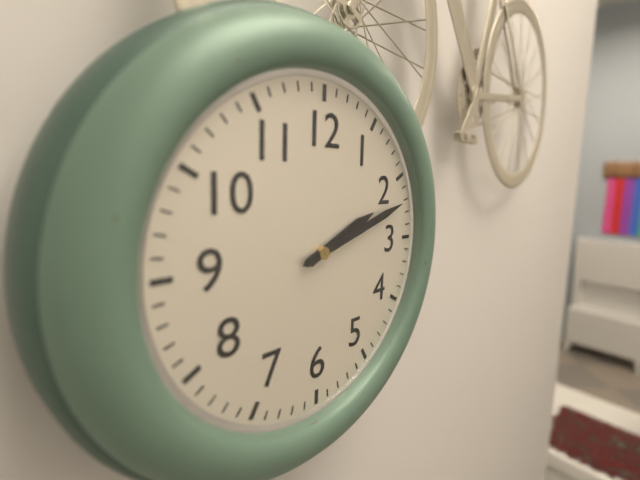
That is 2:12
